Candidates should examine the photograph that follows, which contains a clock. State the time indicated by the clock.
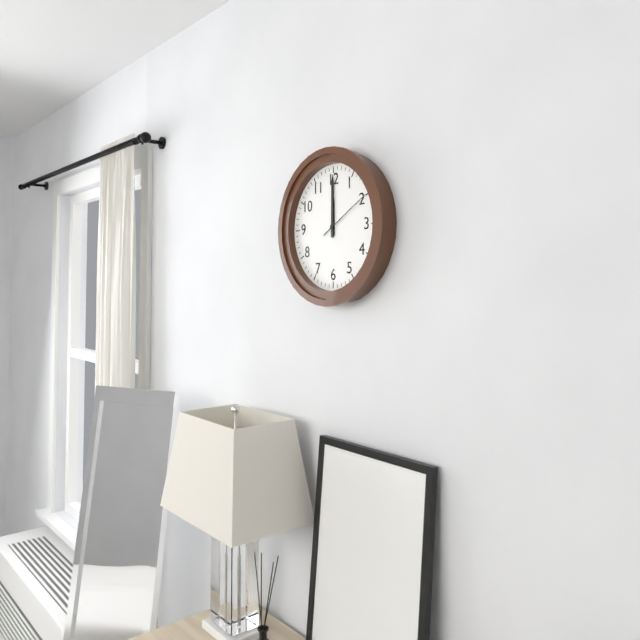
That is 12:00:10
